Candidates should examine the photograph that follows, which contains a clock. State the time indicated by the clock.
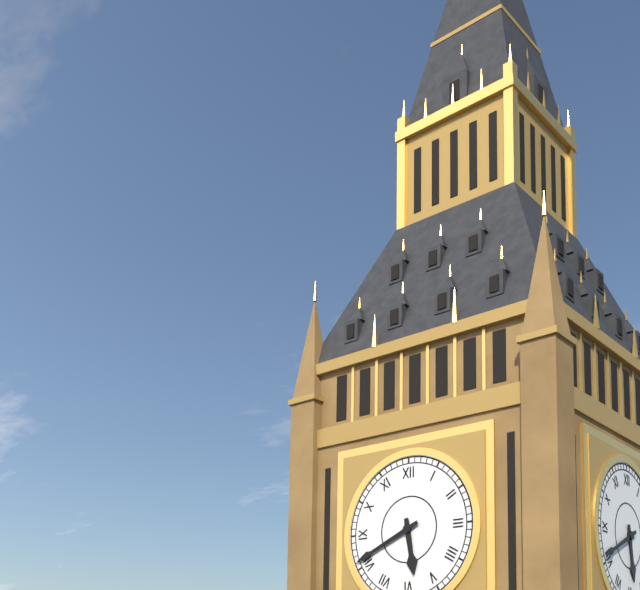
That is 5:41
